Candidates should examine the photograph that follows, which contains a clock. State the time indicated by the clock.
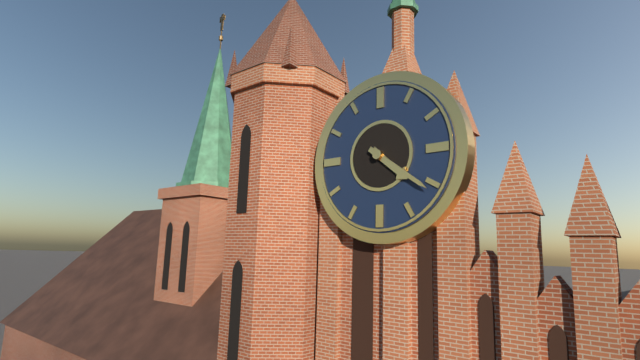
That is 4:21
